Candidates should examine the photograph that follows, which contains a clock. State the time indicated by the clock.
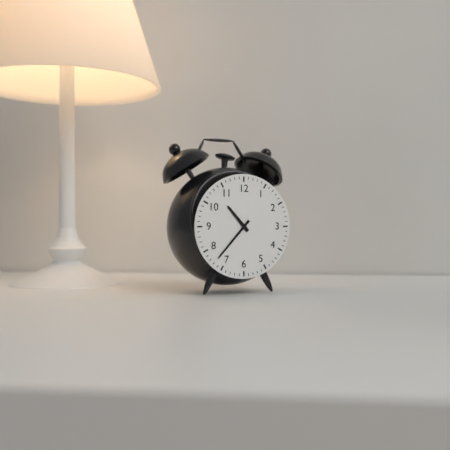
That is 10:37
